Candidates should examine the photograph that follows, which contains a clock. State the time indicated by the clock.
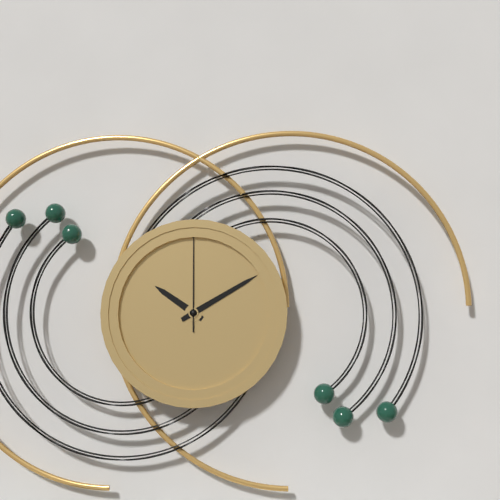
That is 10:10:00
